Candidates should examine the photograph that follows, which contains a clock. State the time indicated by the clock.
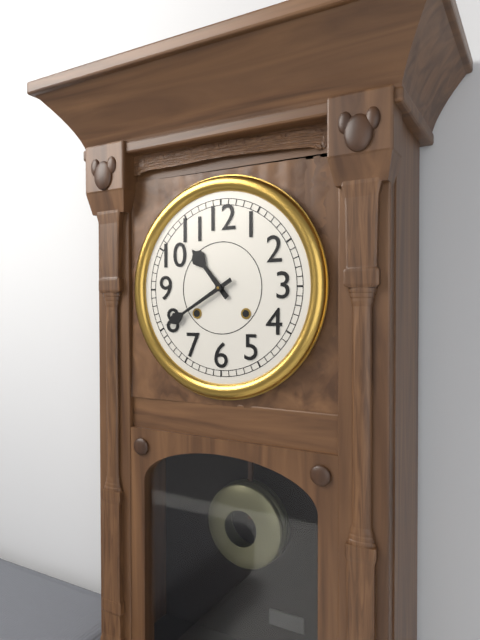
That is 10:40
